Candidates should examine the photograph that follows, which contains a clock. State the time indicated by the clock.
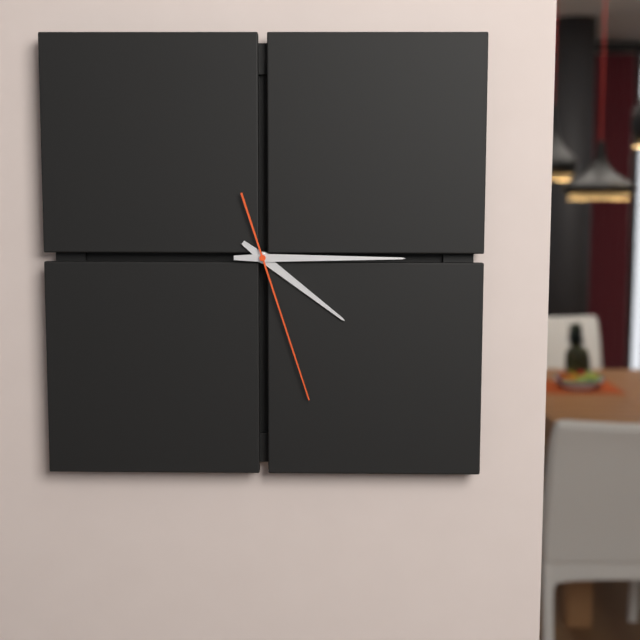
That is 4:15:27
